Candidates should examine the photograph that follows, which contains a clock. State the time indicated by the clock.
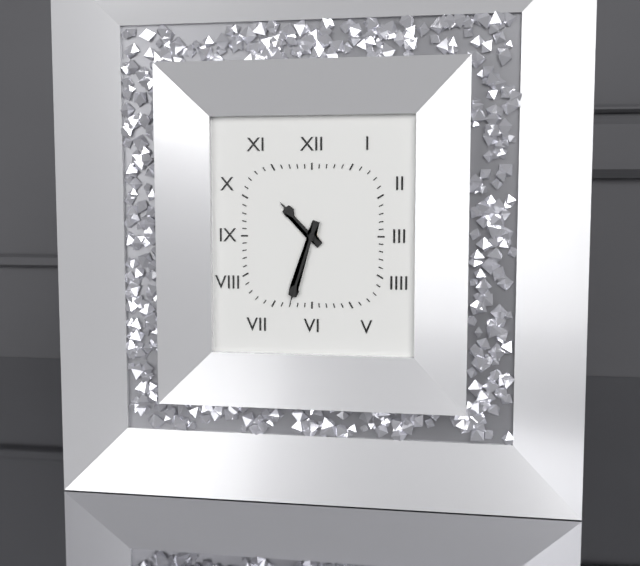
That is 10:33
